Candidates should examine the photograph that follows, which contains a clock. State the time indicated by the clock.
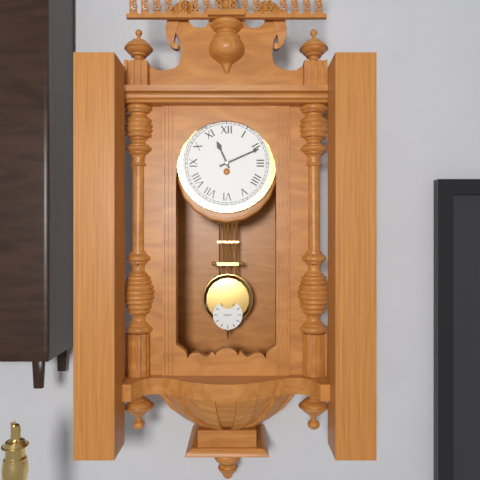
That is 11:11
